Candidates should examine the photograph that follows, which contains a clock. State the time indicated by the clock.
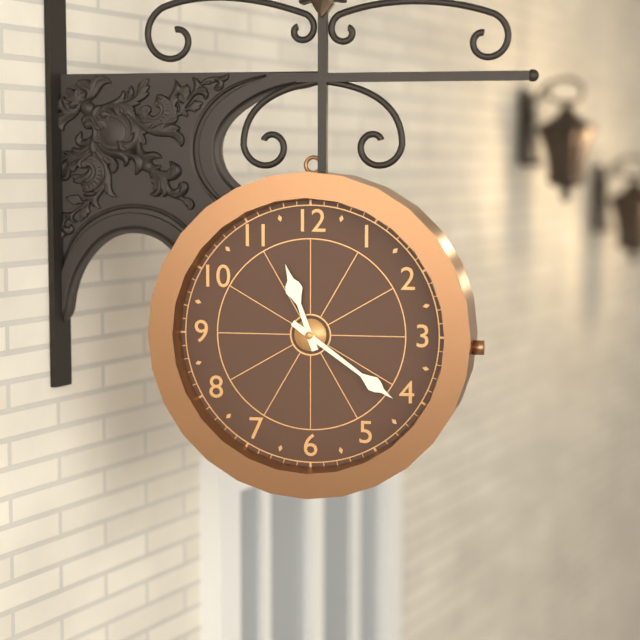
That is 11:21
